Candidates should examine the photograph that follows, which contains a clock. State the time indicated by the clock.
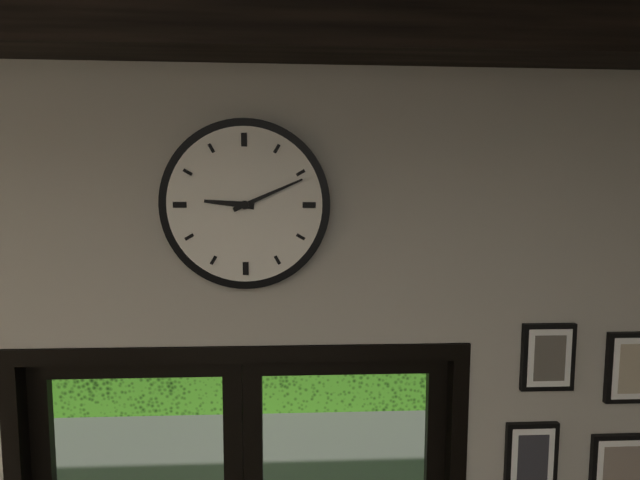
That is 9:11
